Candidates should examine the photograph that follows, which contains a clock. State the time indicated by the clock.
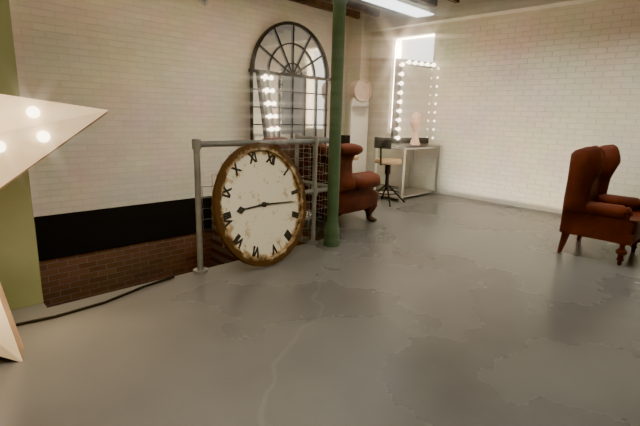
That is 8:12
